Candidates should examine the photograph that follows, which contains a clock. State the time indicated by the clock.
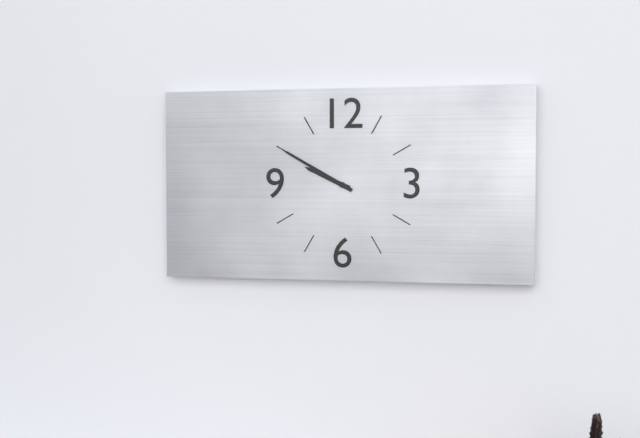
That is 9:50
